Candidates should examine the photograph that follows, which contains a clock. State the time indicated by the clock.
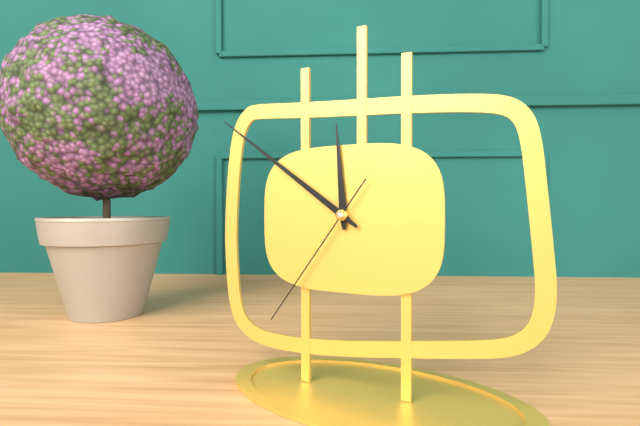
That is 11:51:36
